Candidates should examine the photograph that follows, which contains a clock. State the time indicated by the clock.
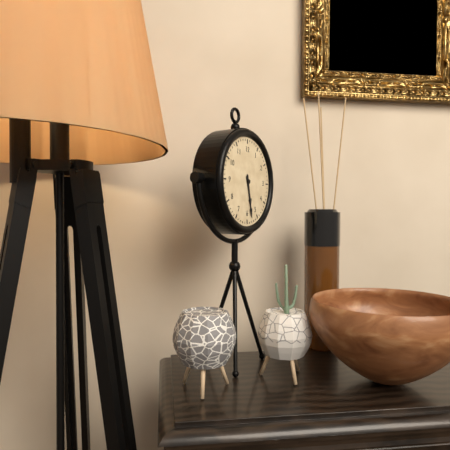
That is 5:28
